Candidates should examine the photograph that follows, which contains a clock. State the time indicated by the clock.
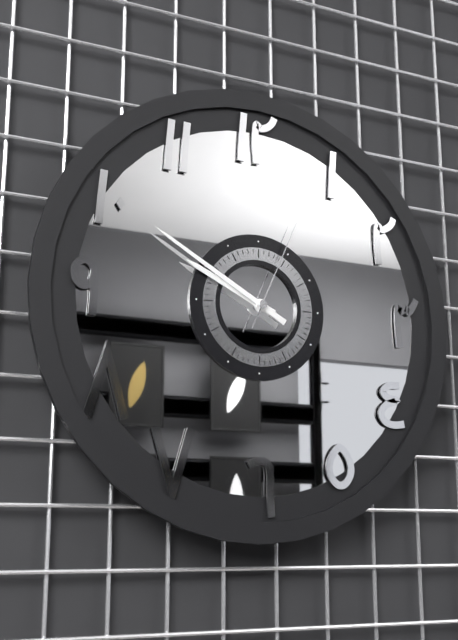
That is 9:50:04
